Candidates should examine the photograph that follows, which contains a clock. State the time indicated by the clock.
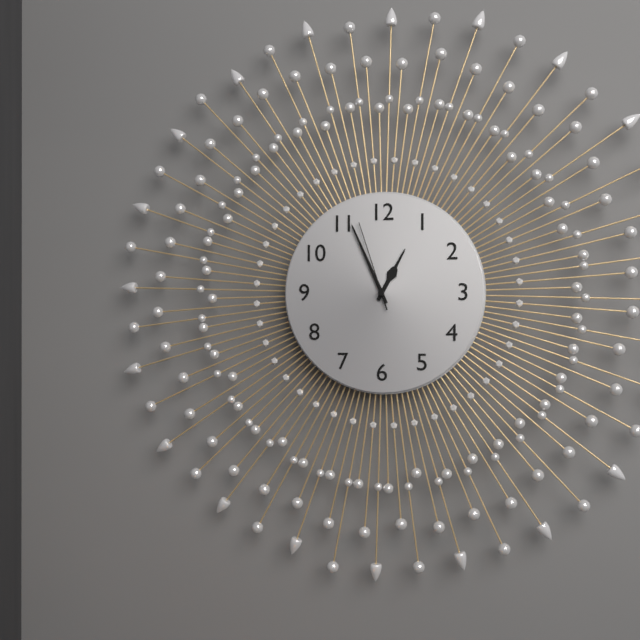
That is 12:56:57
